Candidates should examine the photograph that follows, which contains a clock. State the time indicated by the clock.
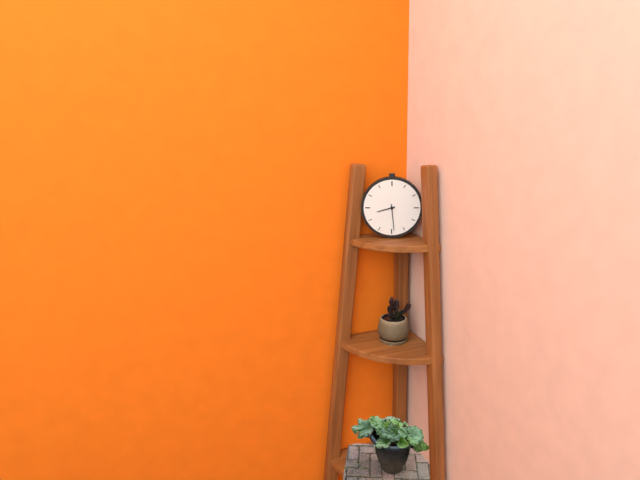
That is 8:29
